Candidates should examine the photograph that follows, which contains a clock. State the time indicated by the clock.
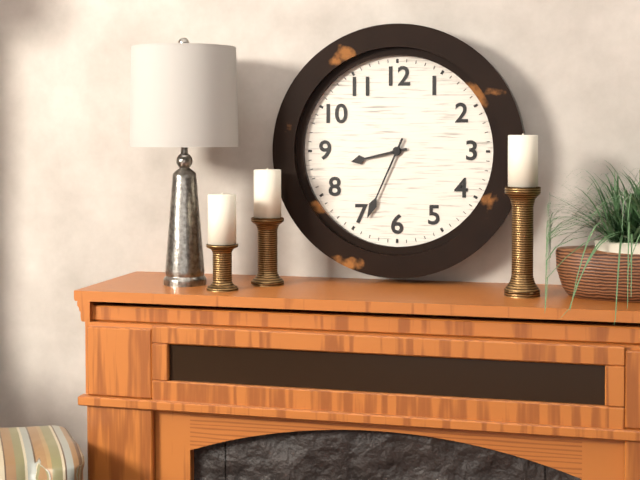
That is 8:34
